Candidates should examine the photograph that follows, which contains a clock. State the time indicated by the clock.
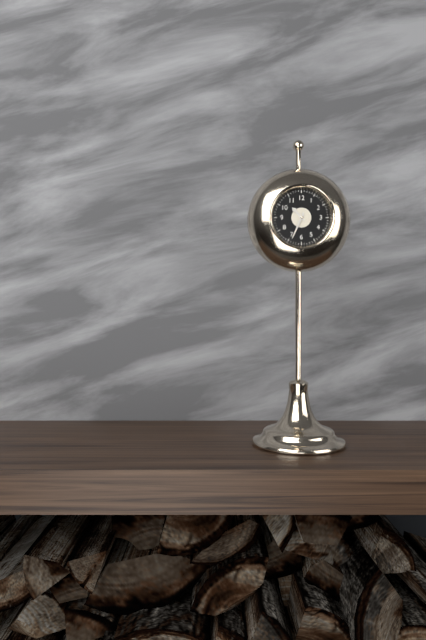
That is 10:34
